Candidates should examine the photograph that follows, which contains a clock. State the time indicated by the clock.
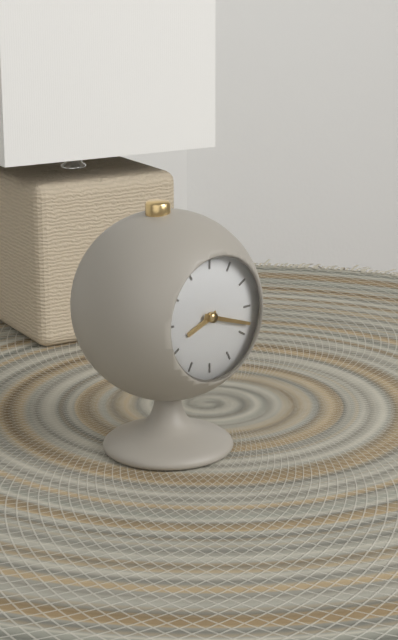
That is 8:18
